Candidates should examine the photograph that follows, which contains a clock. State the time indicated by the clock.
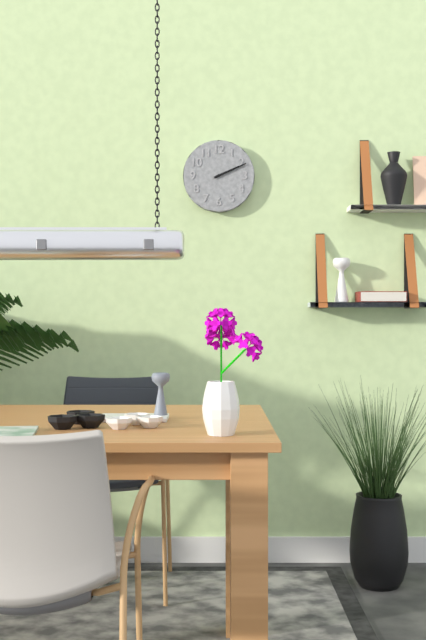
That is 2:11
